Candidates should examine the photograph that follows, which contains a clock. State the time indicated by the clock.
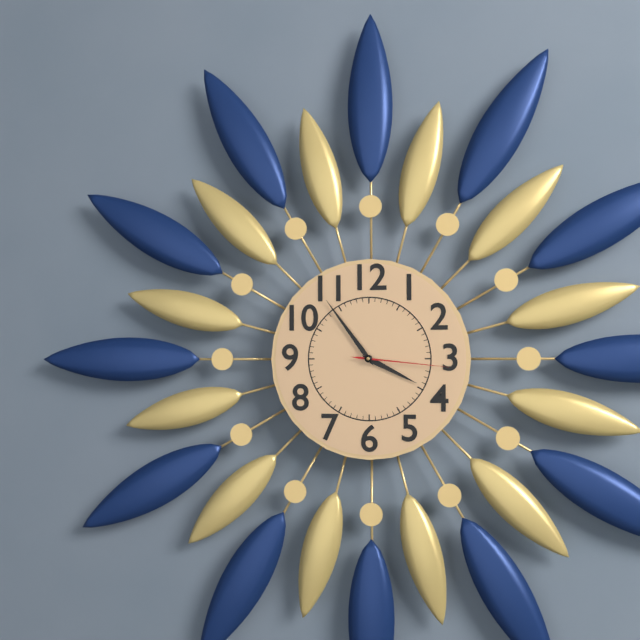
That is 3:54:16
